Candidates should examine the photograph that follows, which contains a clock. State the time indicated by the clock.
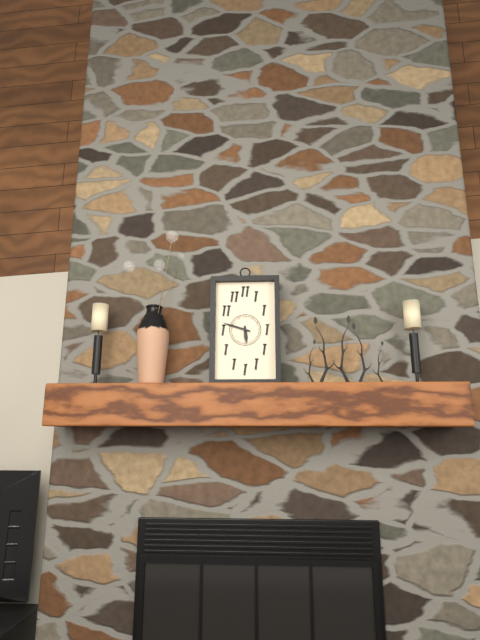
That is 5:48
